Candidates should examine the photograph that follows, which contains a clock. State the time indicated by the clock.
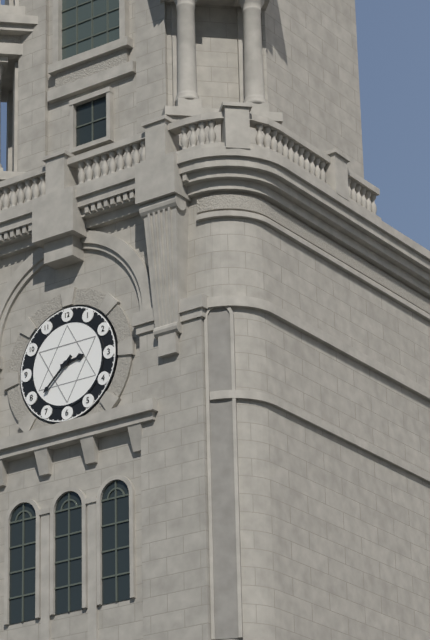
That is 2:38
